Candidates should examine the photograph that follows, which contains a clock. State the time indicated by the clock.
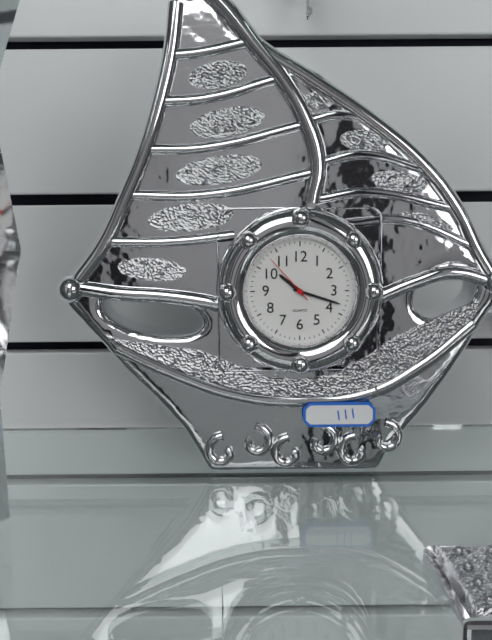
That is 10:18:53
